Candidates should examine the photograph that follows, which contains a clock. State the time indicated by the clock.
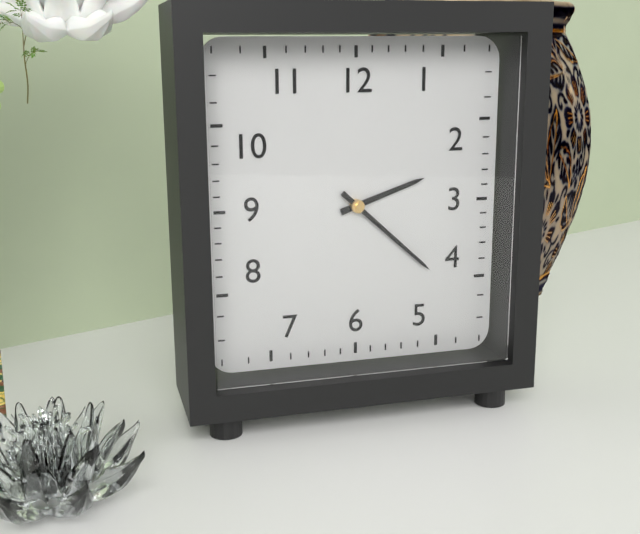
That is 2:22
